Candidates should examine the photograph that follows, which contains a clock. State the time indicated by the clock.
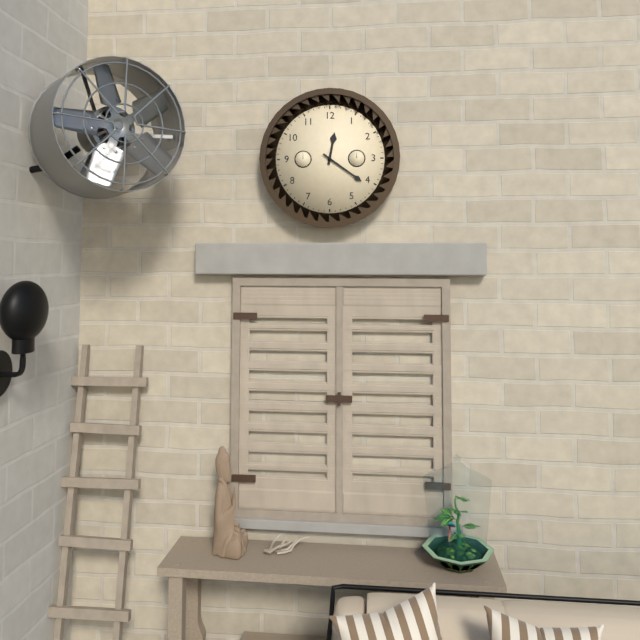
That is 12:21
